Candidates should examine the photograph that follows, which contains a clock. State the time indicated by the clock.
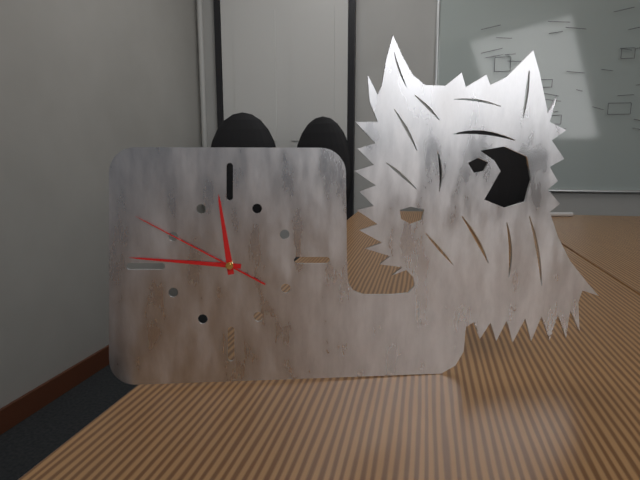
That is 11:46:50
